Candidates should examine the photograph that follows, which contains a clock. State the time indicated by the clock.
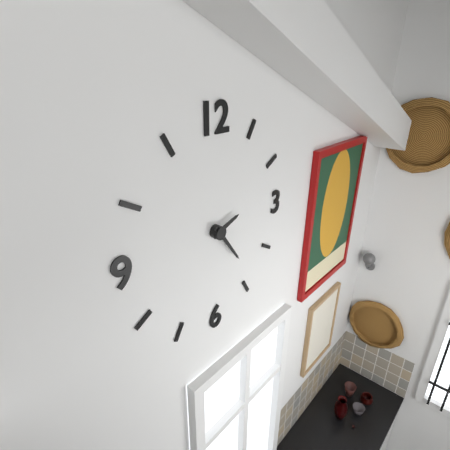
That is 2:24
